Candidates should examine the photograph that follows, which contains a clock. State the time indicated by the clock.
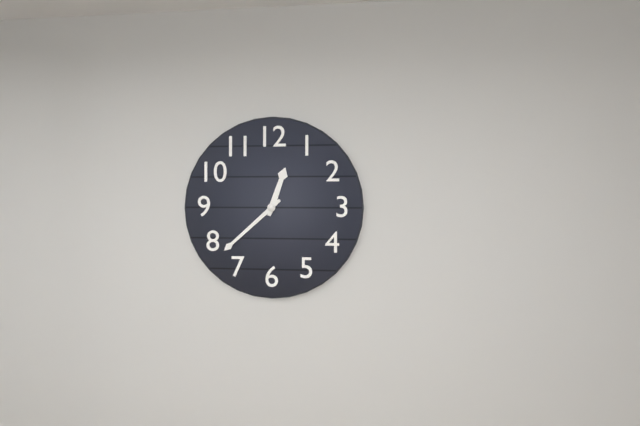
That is 12:38
